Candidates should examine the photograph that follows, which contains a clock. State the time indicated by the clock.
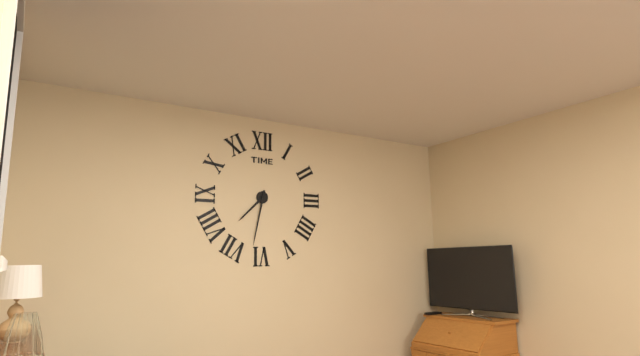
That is 7:32
